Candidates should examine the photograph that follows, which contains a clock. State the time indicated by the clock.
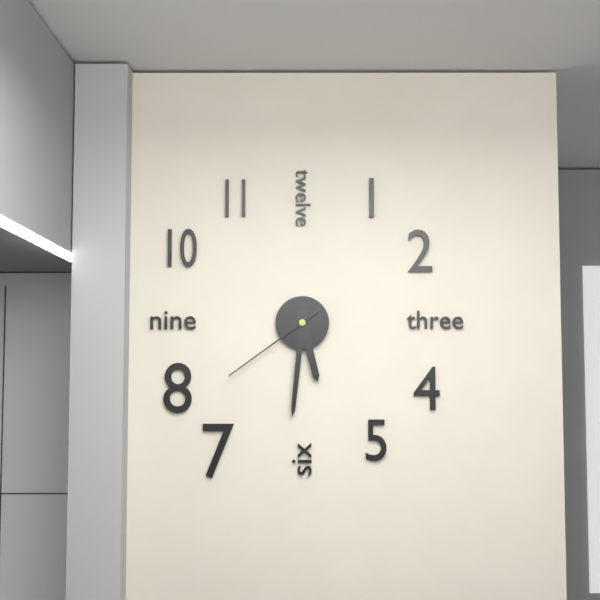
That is 5:31:39
